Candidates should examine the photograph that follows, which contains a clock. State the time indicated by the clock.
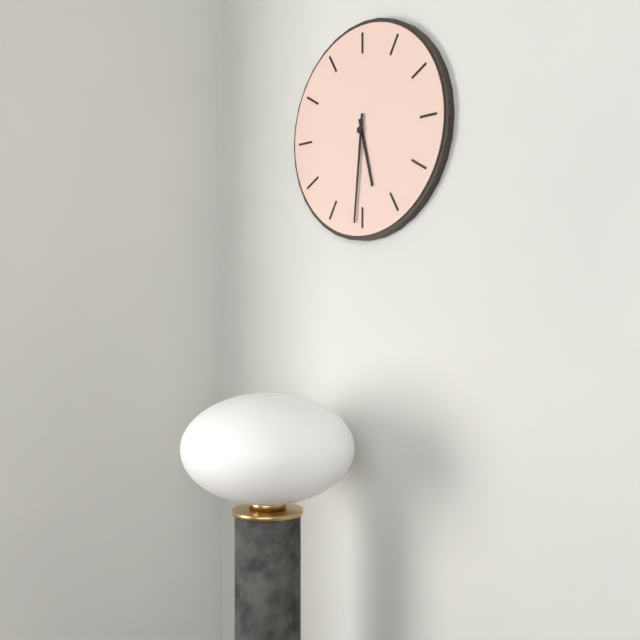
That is 5:31
